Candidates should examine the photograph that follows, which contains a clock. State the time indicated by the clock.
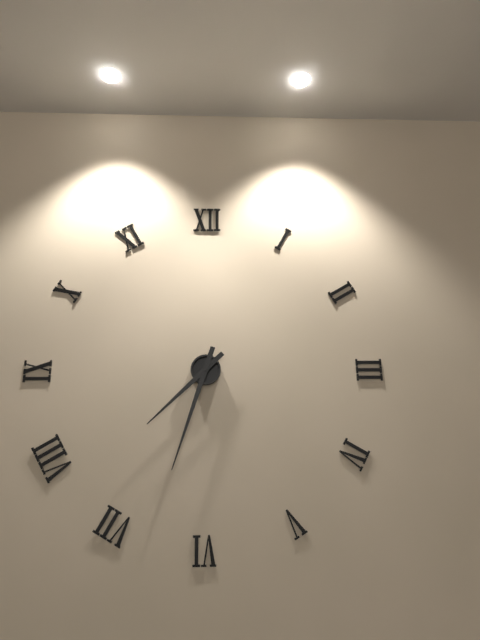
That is 7:33
